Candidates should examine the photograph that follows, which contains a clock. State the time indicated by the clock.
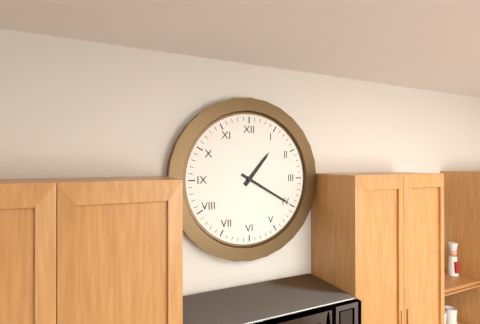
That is 1:20
